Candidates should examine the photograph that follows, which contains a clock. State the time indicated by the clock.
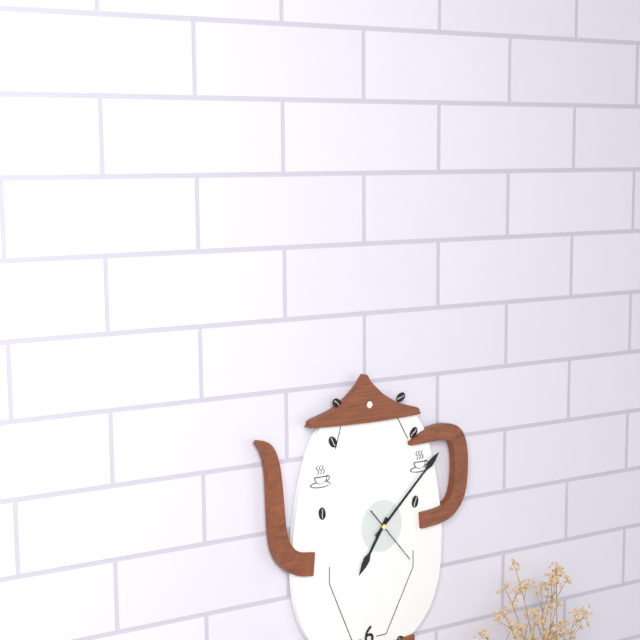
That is 7:08:23
